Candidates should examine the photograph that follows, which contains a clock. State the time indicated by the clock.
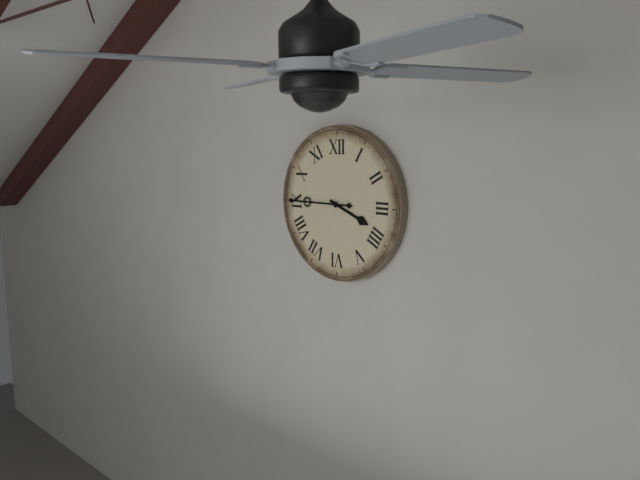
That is 3:45
